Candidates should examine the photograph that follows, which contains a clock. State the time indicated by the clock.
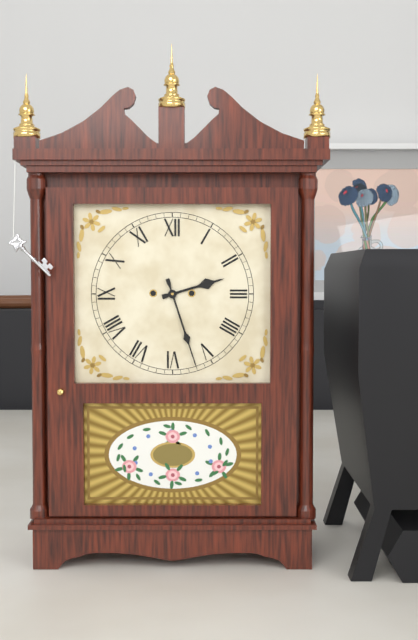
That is 2:27
